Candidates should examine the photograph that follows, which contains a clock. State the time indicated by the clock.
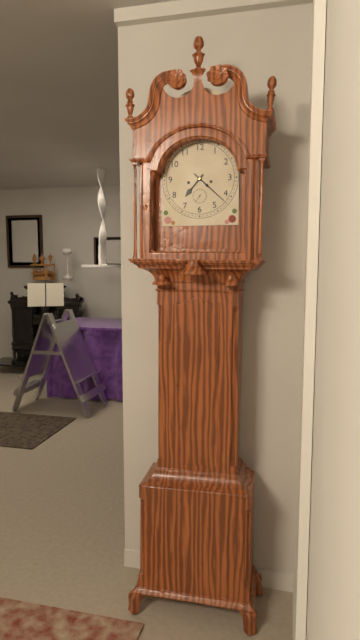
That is 7:22
